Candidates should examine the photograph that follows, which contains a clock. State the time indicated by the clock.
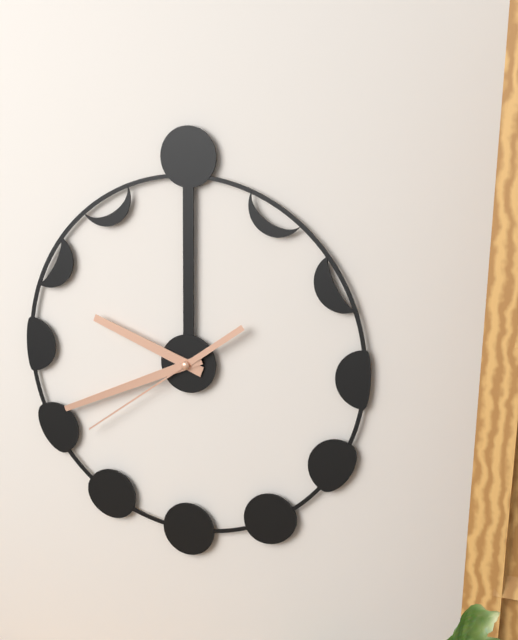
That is 9:41:39
